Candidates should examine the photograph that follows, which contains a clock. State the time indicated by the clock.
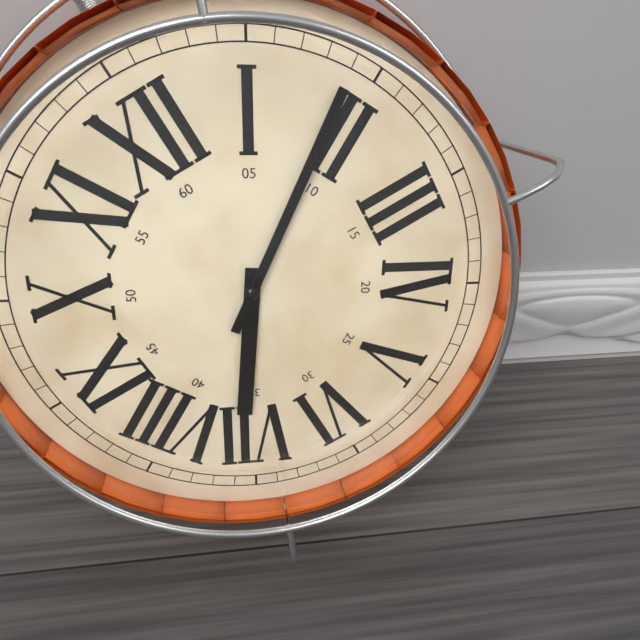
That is 7:09
